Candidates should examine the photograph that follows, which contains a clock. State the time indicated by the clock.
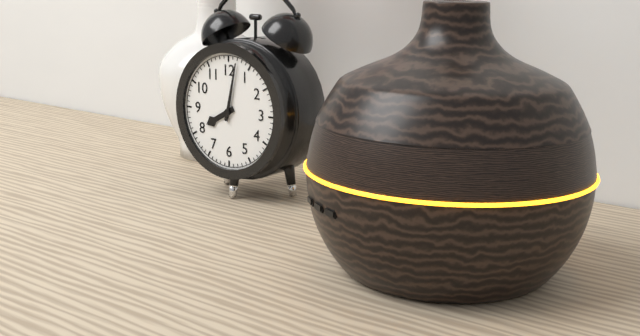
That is 8:02
